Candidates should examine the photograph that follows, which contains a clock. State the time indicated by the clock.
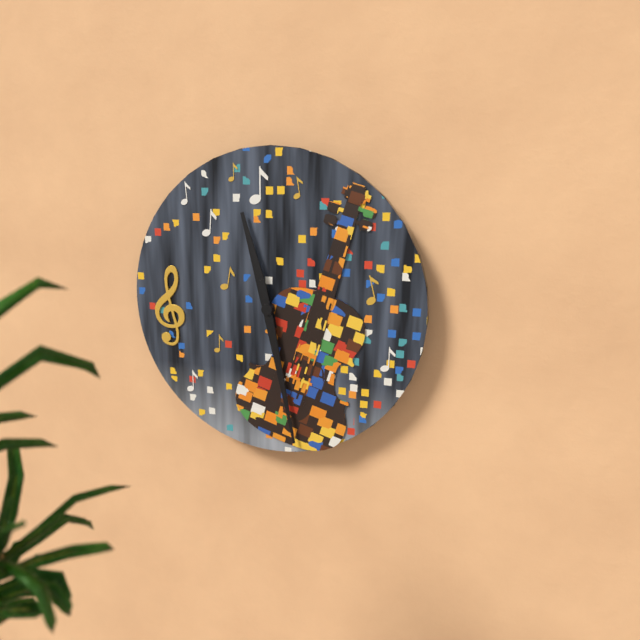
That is 11:28
